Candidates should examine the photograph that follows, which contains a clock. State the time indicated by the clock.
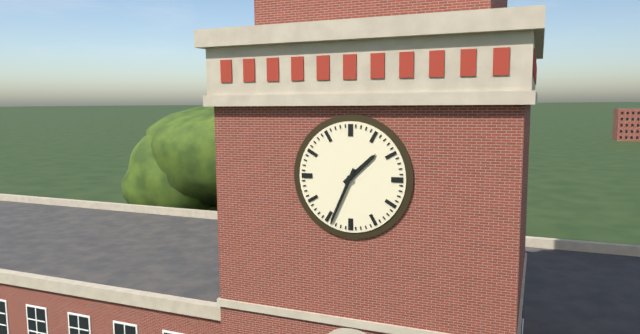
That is 1:34
